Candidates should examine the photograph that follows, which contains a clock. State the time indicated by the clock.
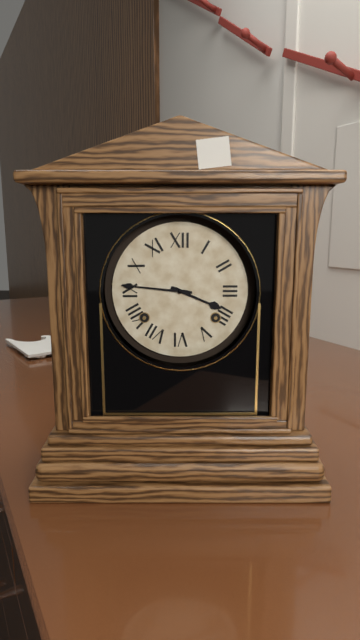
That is 3:46
